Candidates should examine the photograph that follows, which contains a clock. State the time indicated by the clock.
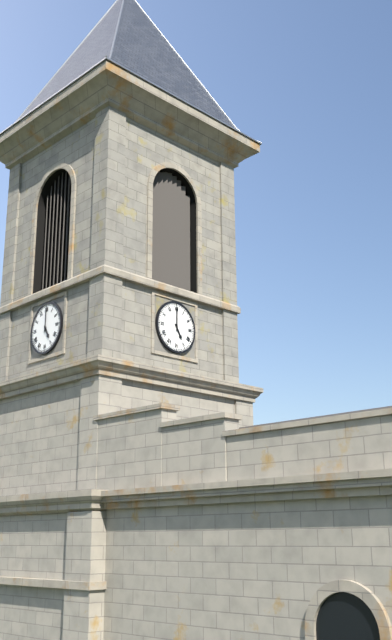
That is 5:00
